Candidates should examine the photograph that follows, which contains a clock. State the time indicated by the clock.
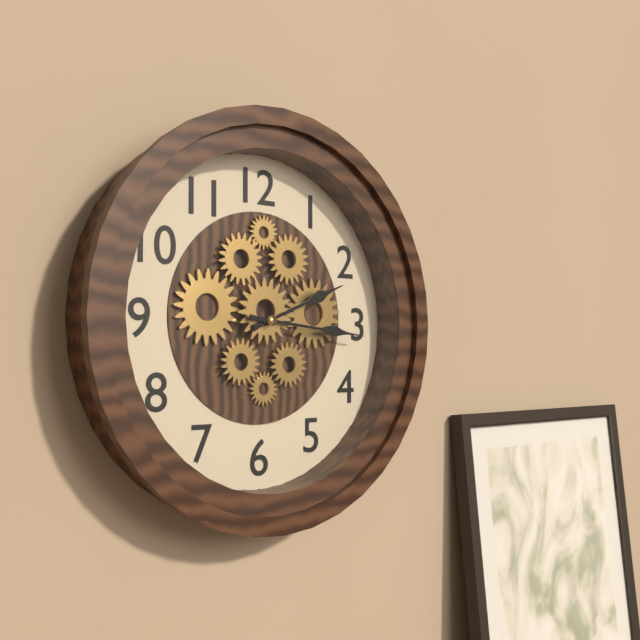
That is 2:16
